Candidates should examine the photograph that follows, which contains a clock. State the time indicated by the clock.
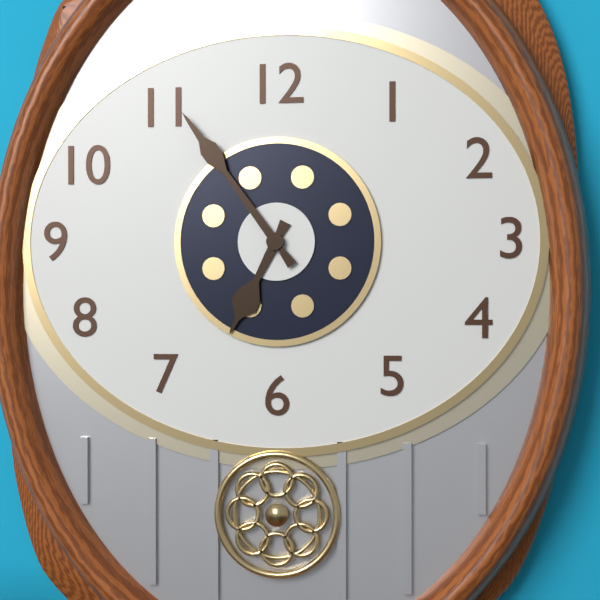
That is 6:54
